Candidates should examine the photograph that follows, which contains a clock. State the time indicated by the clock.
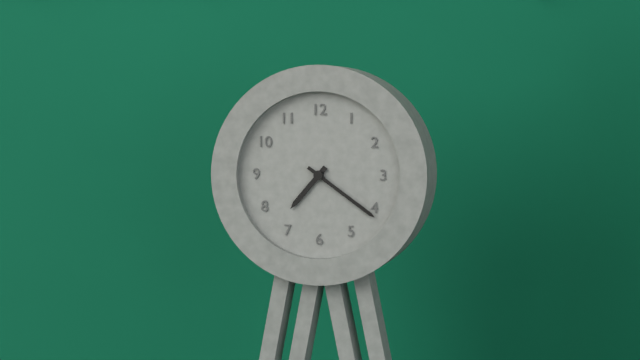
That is 7:21
